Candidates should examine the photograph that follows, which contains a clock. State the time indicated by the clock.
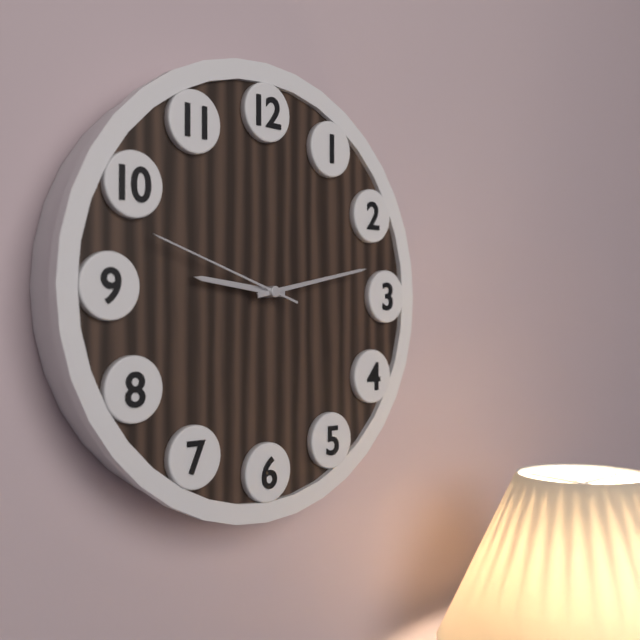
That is 9:13:48
